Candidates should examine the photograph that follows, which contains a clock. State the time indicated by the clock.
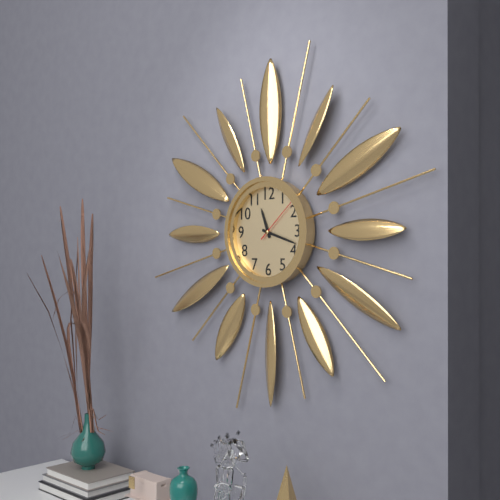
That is 11:18
